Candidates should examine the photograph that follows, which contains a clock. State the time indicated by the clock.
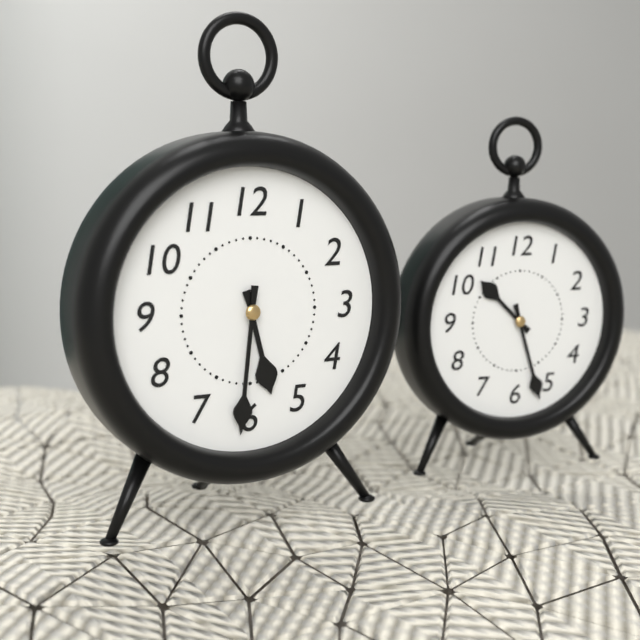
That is 5:31
